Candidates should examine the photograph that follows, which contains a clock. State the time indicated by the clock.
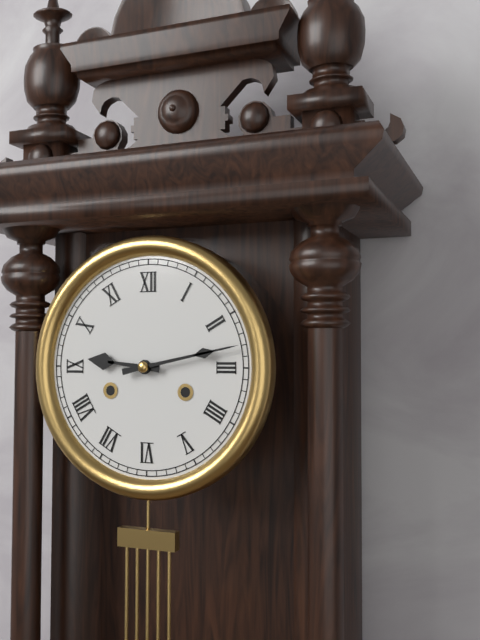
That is 9:13
